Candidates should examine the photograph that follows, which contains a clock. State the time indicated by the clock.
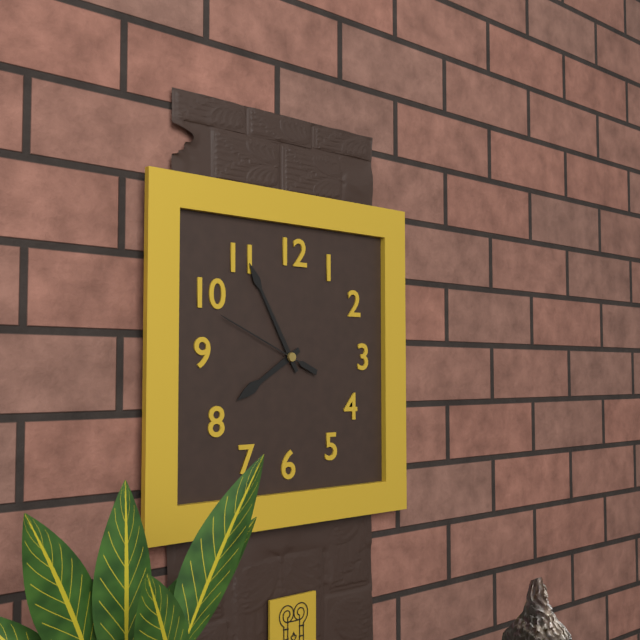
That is 7:55:49
